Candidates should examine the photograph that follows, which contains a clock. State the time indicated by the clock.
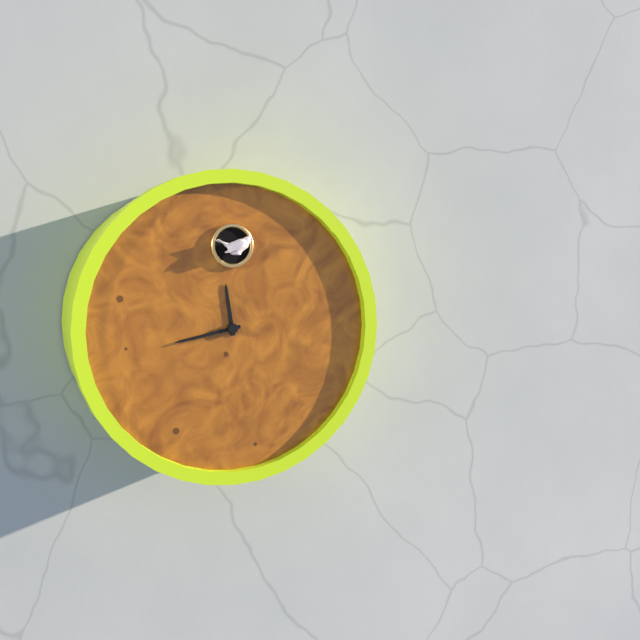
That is 11:43
